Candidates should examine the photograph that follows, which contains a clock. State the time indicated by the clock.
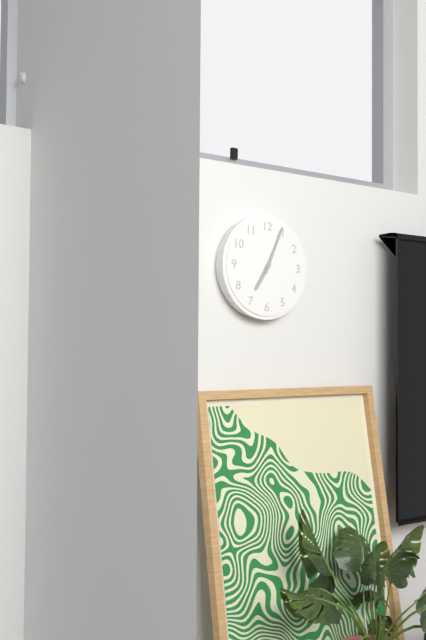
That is 7:04
